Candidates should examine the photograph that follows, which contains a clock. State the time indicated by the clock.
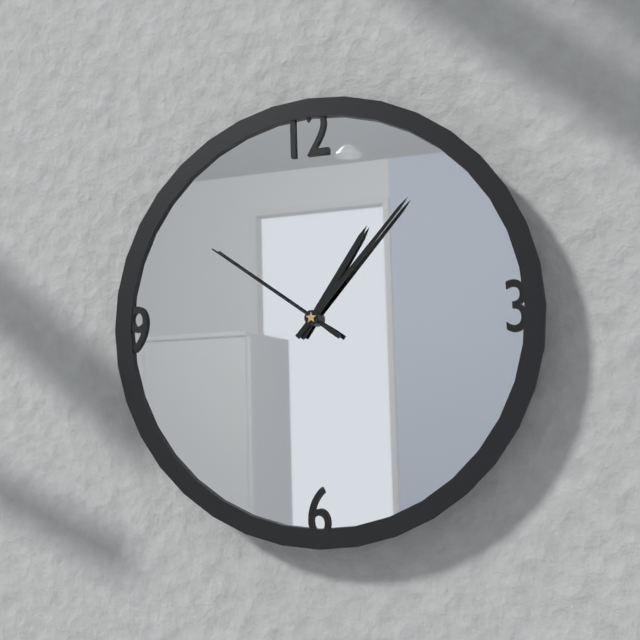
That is 1:07:51
